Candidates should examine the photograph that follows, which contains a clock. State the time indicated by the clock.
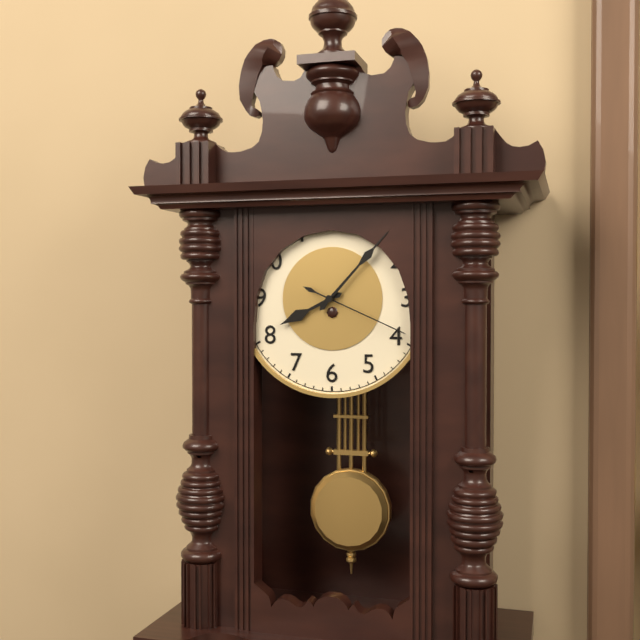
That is 8:07:19
